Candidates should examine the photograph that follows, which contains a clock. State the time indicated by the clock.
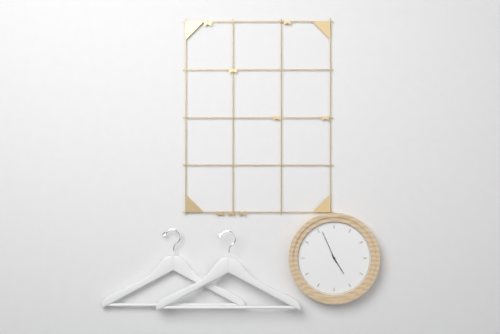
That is 4:56
